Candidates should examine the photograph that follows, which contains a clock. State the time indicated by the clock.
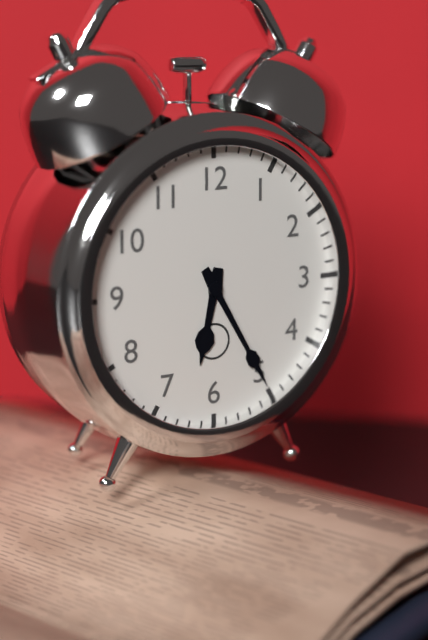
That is 6:25
